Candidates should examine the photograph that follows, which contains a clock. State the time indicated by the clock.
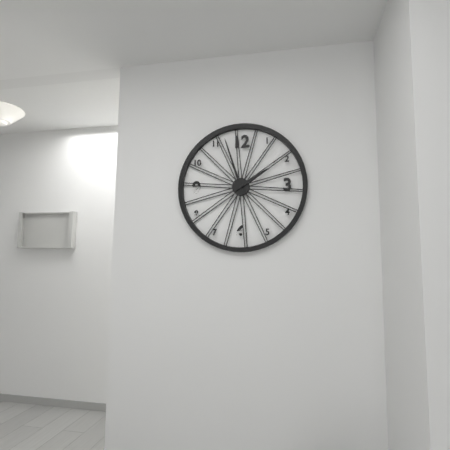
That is 1:57
